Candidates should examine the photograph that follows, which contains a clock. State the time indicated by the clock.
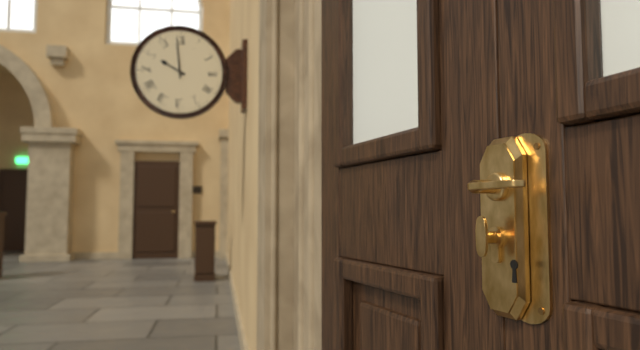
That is 9:59
